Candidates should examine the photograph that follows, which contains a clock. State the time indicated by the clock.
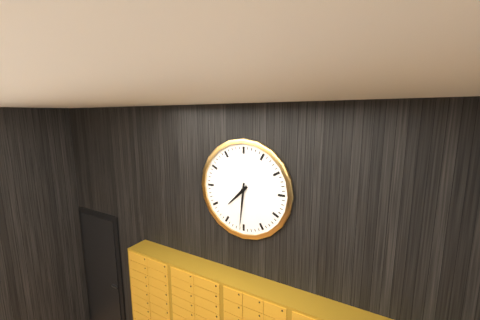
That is 7:31
